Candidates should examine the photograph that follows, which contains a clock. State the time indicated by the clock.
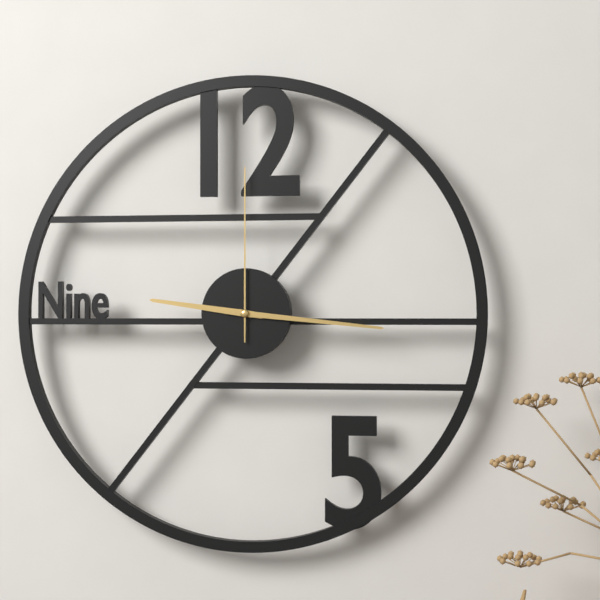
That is 9:16:00
